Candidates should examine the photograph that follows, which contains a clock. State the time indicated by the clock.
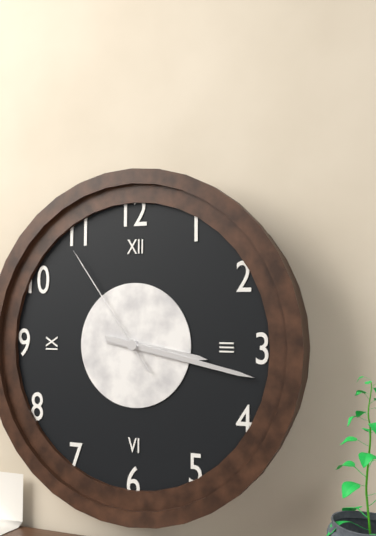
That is 3:17:54
